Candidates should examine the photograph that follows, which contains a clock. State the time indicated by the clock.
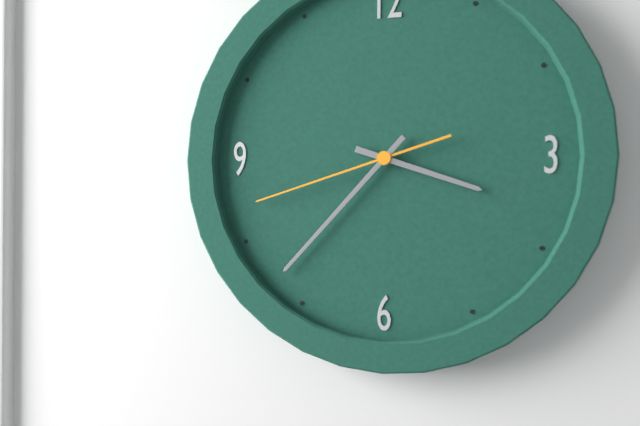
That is 3:37:42
